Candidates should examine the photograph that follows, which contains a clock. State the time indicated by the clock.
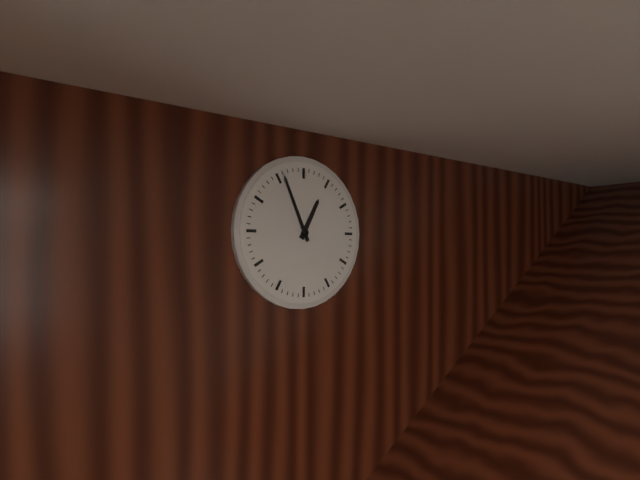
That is 12:56
